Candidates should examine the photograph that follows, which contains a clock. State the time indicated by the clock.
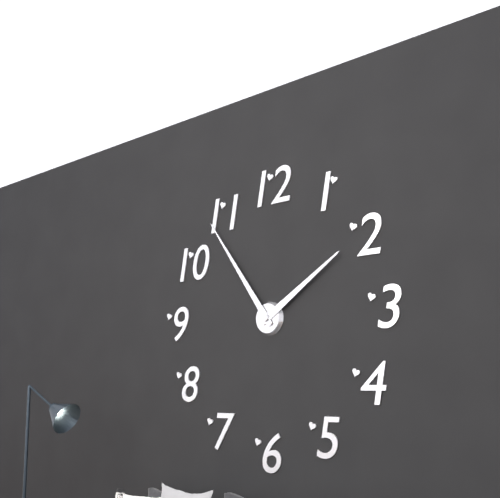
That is 1:54
